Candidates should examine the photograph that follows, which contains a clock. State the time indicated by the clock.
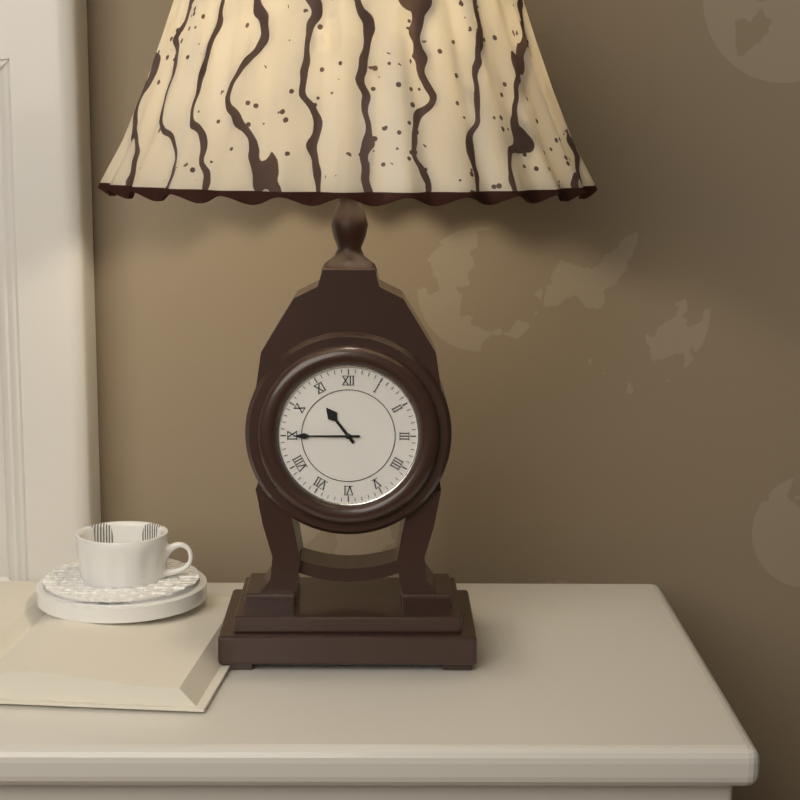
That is 10:45
